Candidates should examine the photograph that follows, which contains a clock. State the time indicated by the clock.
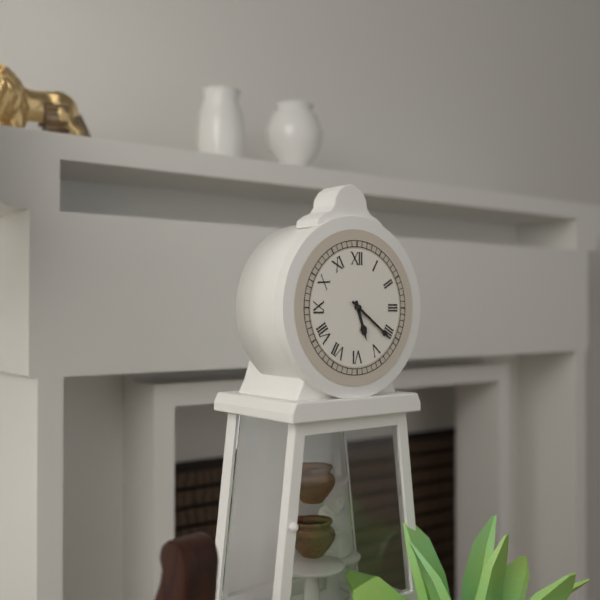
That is 5:21
